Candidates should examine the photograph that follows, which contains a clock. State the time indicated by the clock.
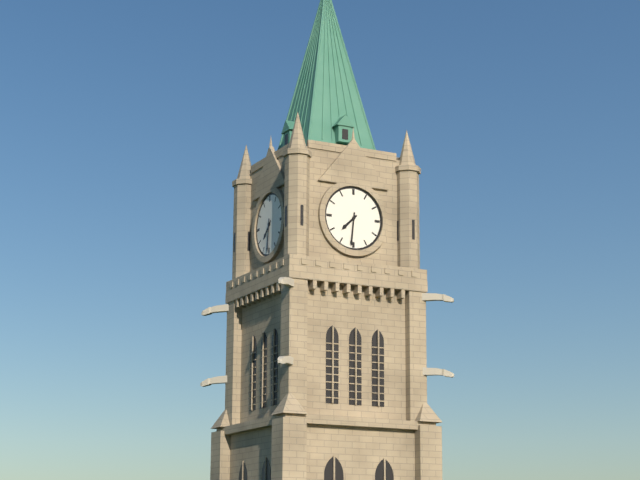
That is 7:31
